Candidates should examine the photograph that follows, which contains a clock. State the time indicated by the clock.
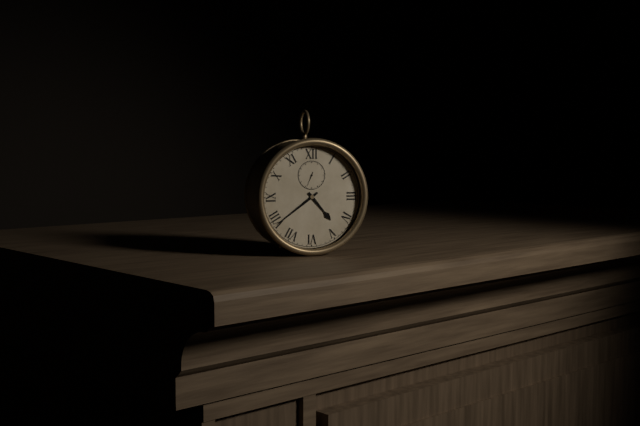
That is 4:39
